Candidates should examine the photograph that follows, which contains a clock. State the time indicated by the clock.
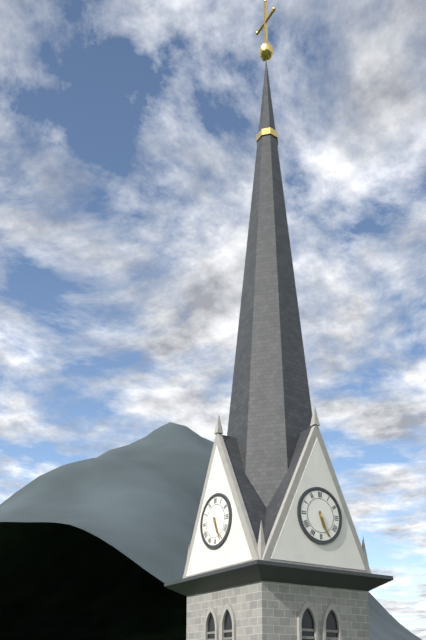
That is 5:26
